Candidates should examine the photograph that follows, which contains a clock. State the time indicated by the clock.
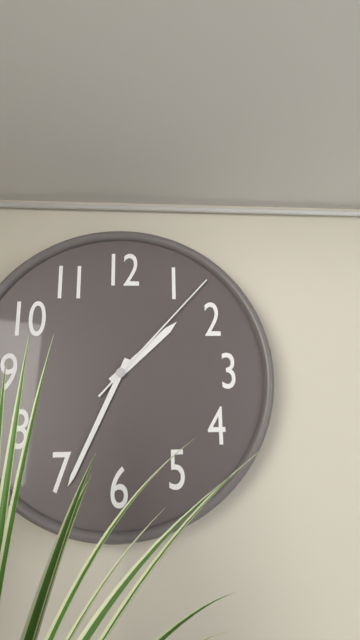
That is 1:34:07
